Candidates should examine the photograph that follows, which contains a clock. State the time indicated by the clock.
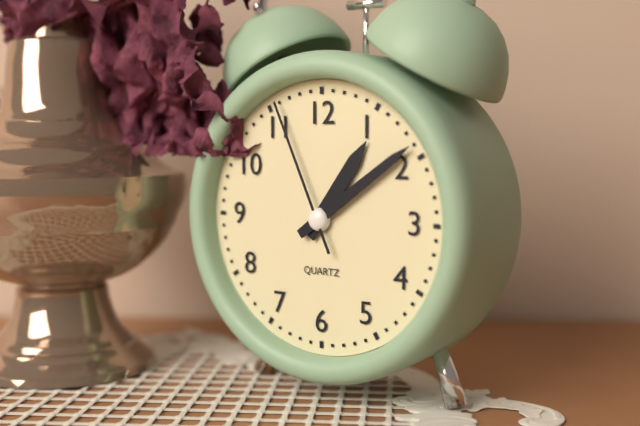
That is 1:09:56
